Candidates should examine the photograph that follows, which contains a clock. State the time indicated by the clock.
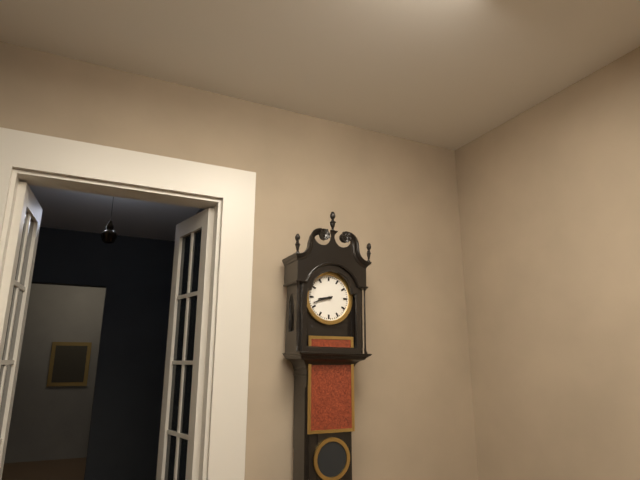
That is 8:42
